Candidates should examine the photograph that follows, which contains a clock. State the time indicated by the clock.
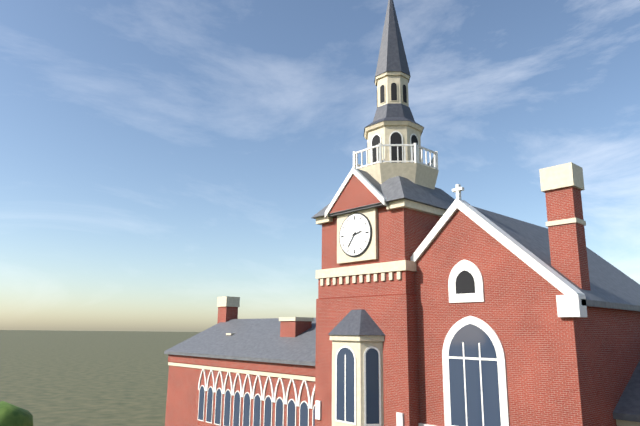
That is 2:36
